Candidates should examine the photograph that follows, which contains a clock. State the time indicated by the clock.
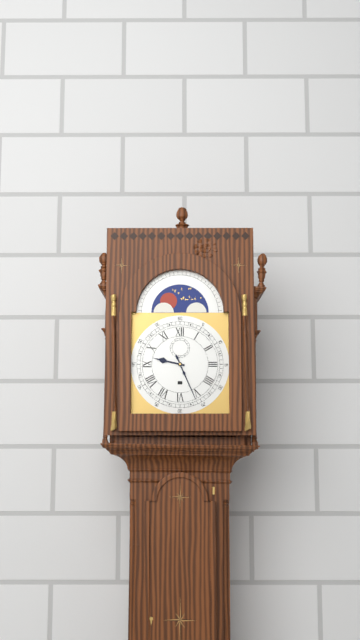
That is 9:26
